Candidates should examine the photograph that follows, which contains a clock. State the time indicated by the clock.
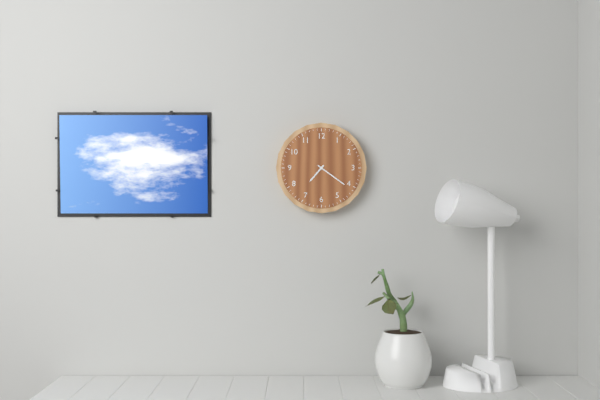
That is 7:21
